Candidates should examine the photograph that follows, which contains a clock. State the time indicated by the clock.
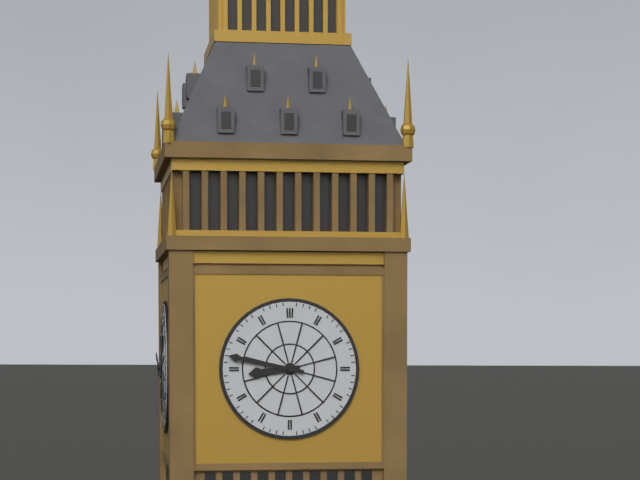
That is 8:47
